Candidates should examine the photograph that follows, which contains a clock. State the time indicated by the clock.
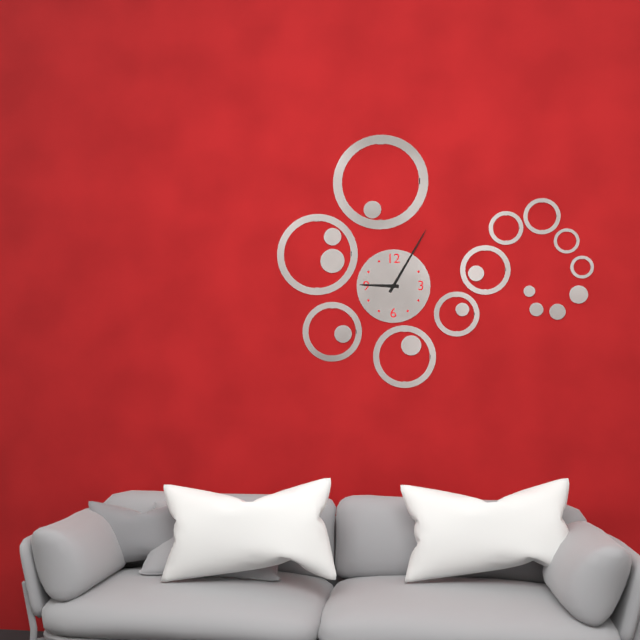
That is 9:05
